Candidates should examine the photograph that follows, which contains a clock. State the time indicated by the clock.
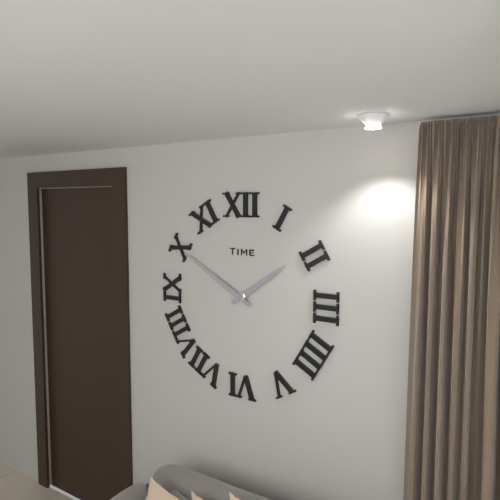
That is 1:50
